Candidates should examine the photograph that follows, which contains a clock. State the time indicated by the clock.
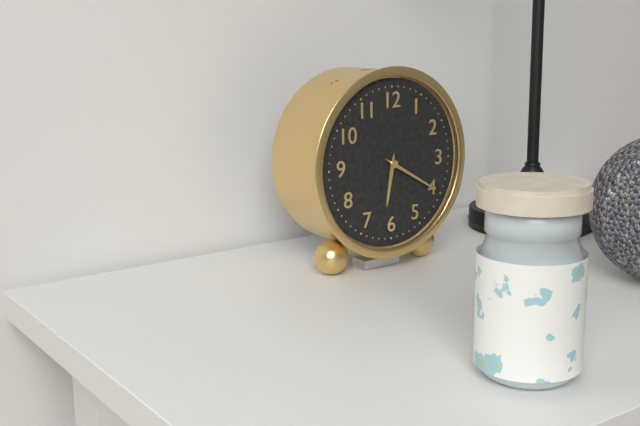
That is 6:20
